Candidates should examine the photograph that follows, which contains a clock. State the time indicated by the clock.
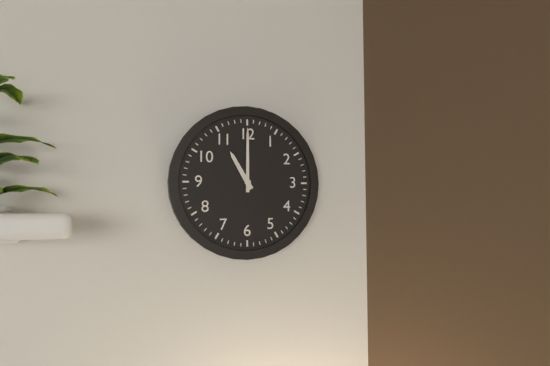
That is 11:00
